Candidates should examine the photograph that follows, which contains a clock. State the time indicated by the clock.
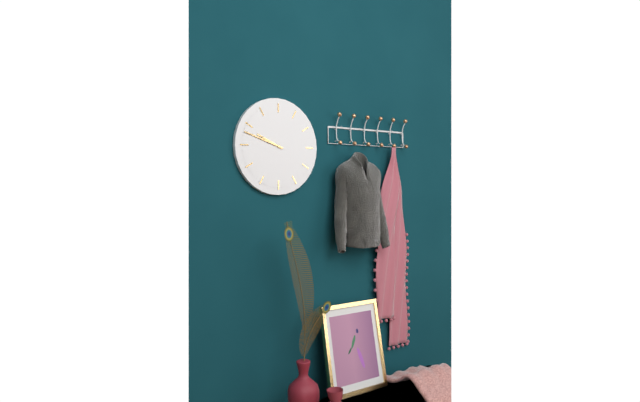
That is 9:48
